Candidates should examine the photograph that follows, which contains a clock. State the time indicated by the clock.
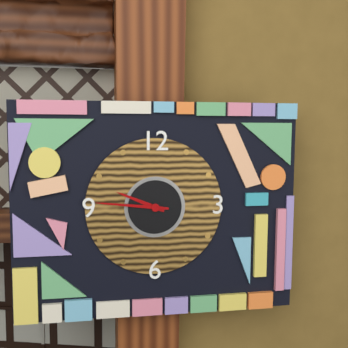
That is 9:46
